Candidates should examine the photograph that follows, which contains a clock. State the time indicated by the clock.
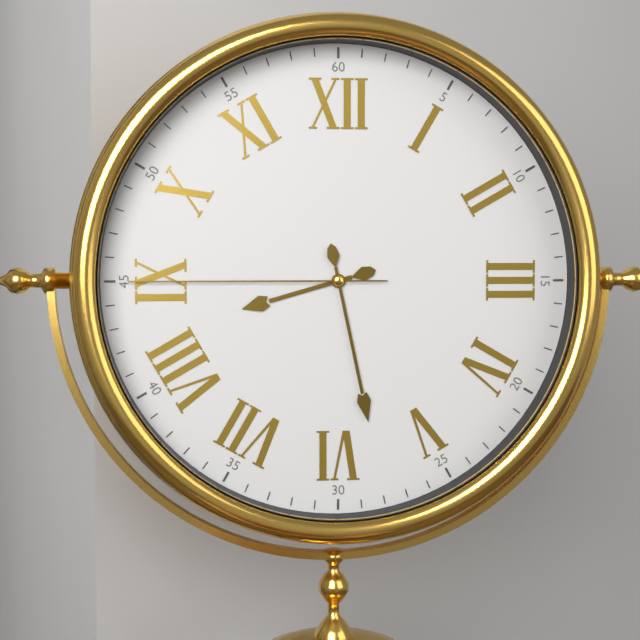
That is 8:28:45
